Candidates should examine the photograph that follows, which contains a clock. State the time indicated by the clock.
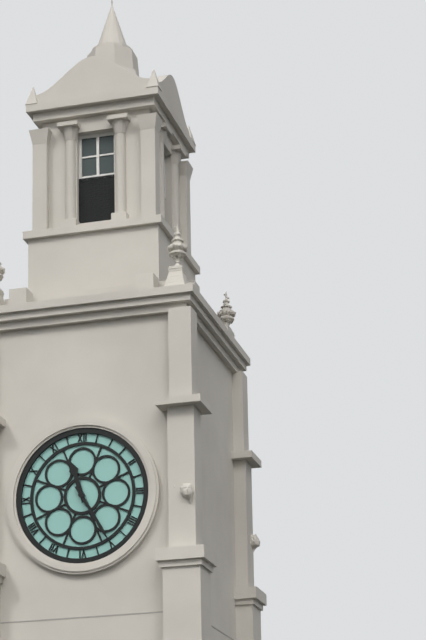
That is 11:25
